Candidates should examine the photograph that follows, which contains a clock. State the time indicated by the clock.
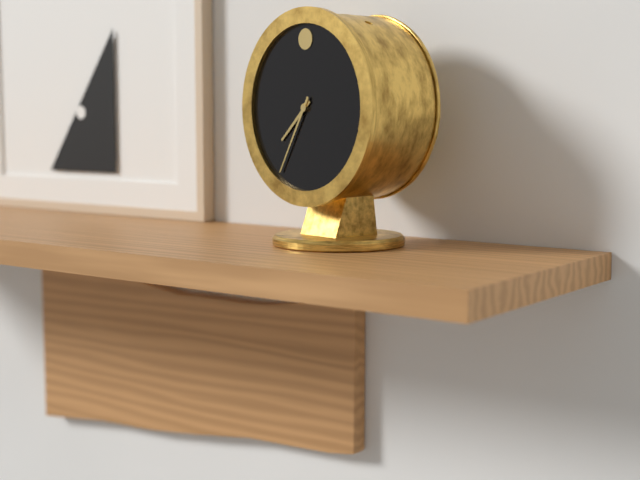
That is 7:35
